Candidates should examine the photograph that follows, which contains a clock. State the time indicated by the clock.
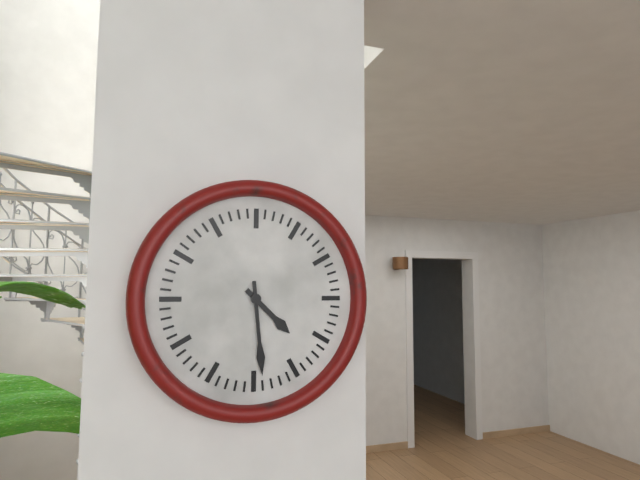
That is 4:29
